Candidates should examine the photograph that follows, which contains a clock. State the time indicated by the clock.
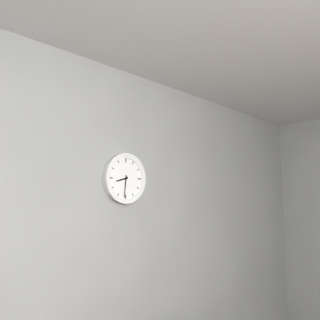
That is 8:31
